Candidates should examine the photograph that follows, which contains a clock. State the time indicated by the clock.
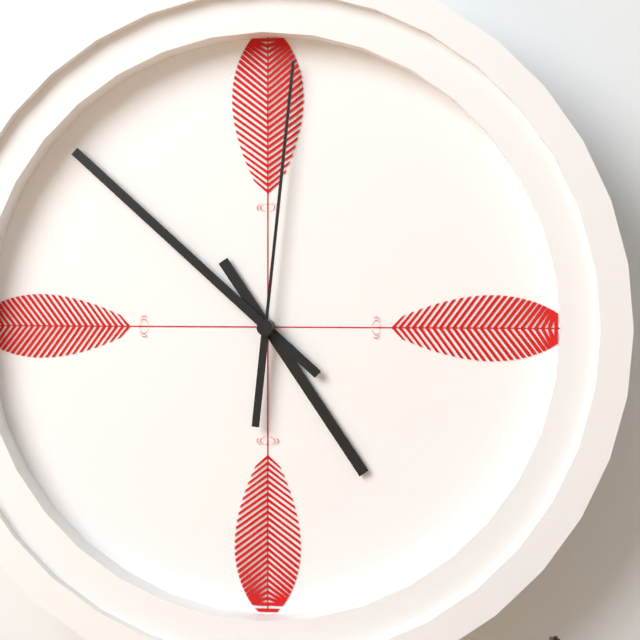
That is 4:52:01
